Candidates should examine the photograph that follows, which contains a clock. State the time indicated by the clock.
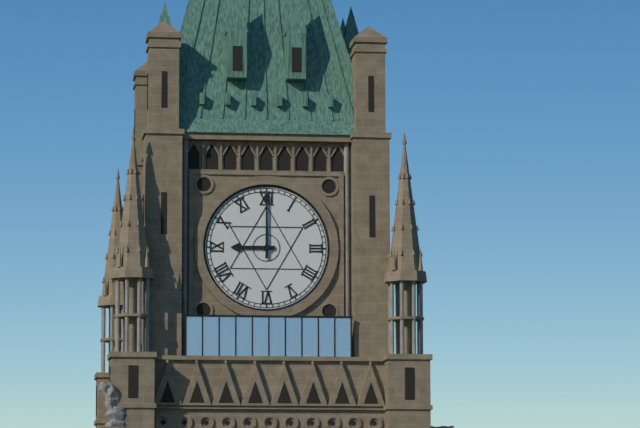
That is 9:00
